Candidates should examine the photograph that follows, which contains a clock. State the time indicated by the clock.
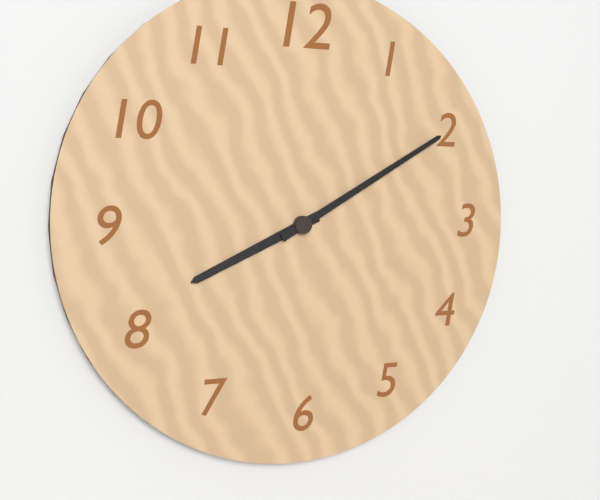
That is 8:10
